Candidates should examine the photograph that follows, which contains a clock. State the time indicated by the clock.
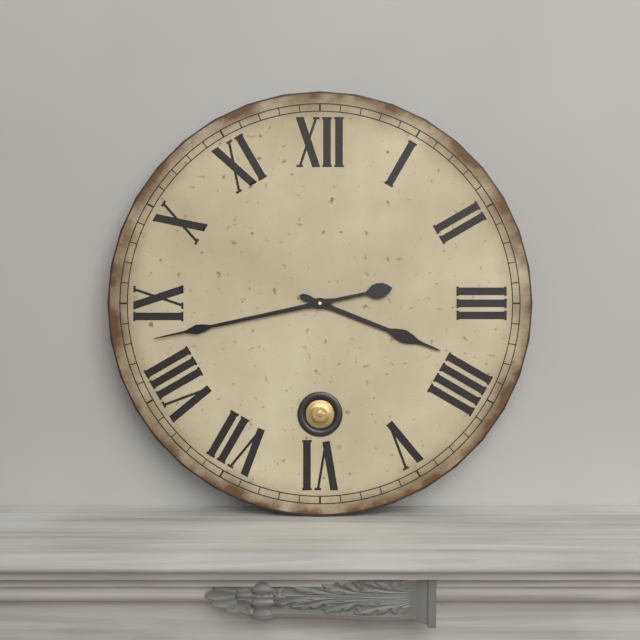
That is 3:43
